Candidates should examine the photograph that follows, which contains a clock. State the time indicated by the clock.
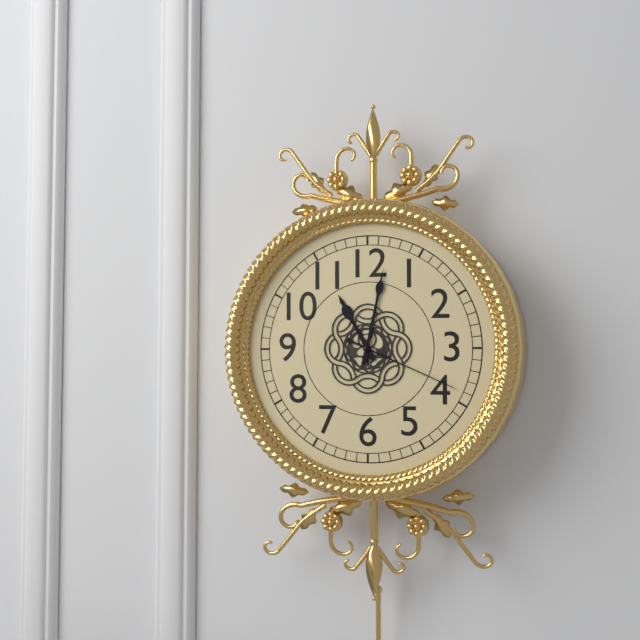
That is 11:02:19
